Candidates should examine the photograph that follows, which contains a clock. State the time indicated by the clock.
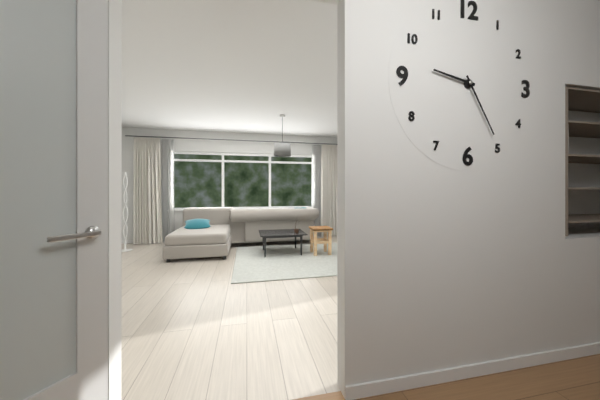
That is 9:25
